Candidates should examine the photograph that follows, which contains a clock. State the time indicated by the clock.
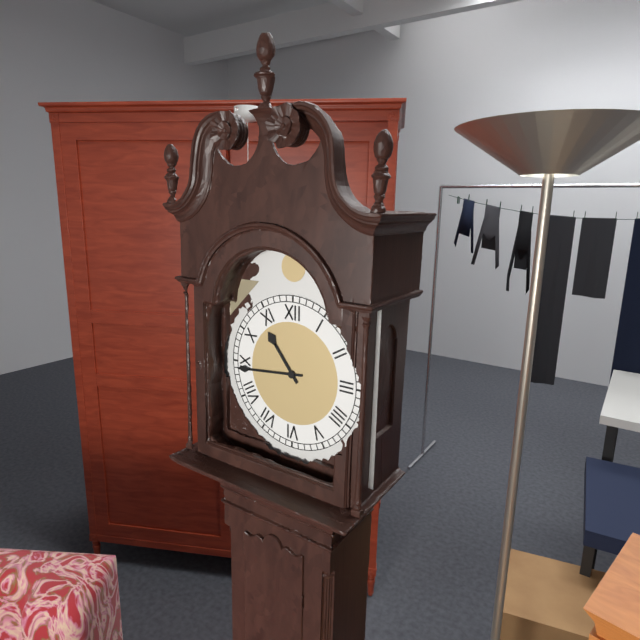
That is 10:44
